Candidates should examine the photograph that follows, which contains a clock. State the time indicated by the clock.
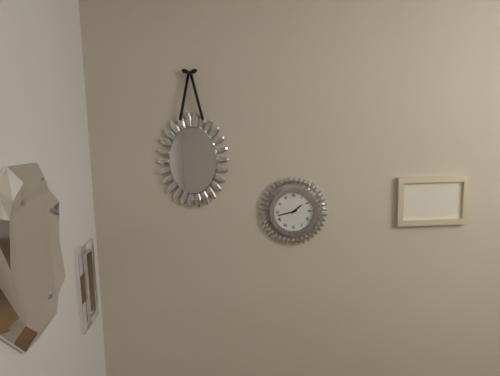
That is 1:43
